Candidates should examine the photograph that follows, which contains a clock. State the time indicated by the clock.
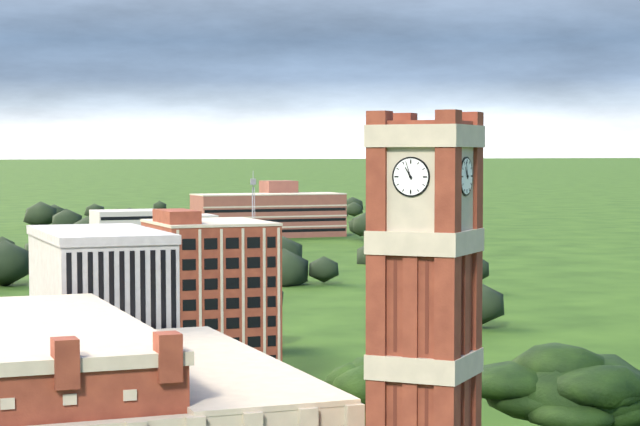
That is 10:57
